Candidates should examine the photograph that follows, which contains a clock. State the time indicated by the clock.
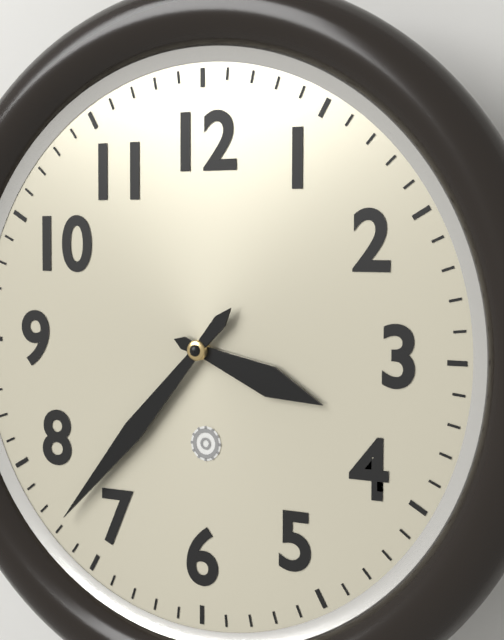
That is 3:37
